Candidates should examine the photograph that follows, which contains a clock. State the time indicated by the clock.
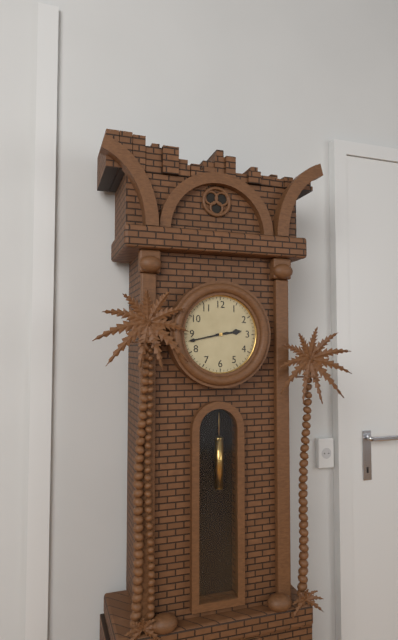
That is 2:43
